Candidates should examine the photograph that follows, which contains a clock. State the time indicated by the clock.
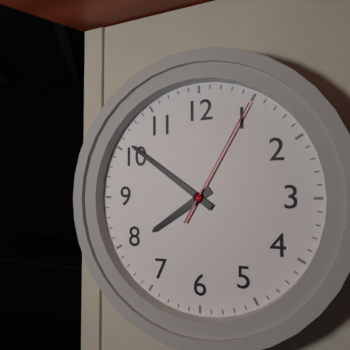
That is 7:51:05
